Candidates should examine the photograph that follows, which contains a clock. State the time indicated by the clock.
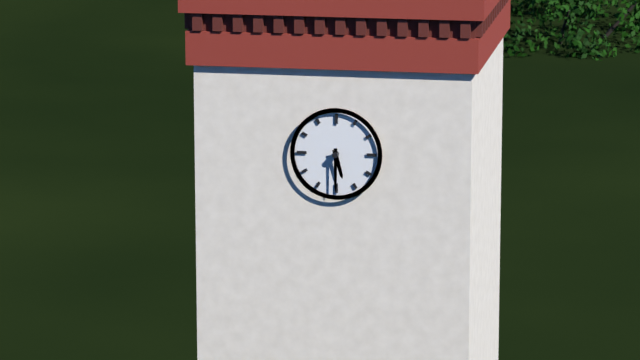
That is 5:30
